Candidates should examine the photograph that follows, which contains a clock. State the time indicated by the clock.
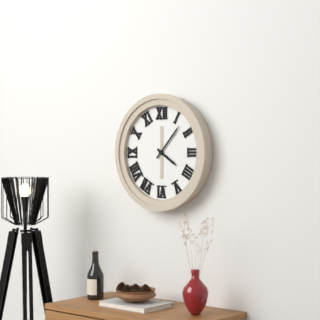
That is 4:07
